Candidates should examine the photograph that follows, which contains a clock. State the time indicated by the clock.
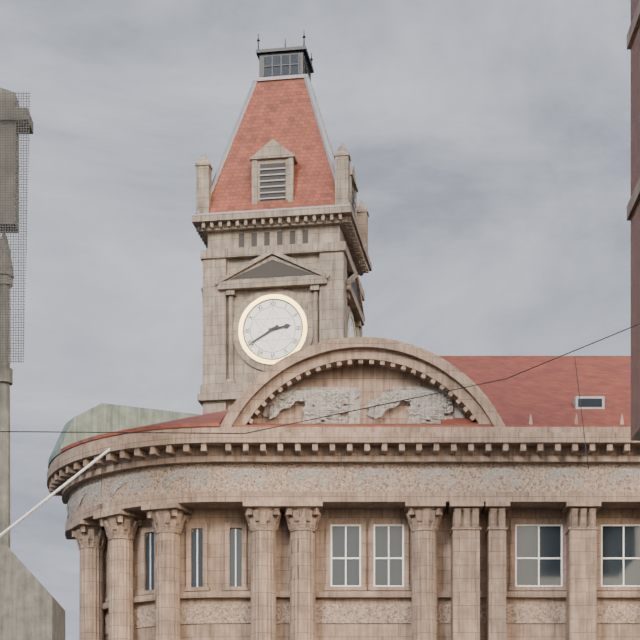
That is 2:40
